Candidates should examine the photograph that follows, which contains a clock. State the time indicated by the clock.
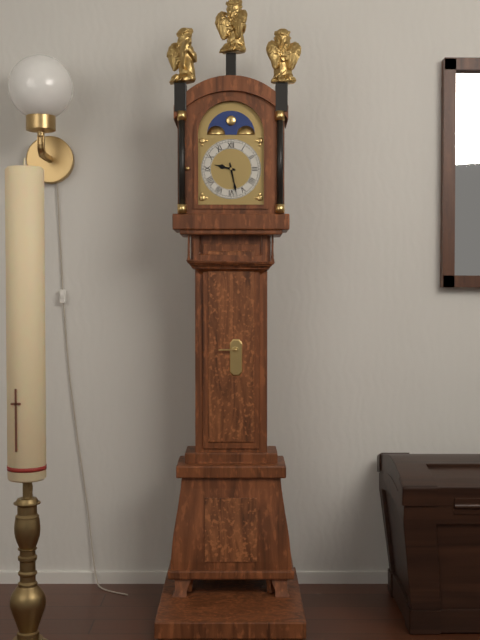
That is 9:28
